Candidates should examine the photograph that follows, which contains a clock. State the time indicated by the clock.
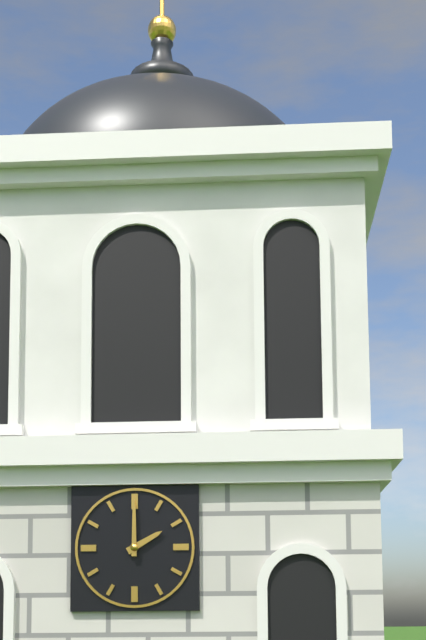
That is 2:00
